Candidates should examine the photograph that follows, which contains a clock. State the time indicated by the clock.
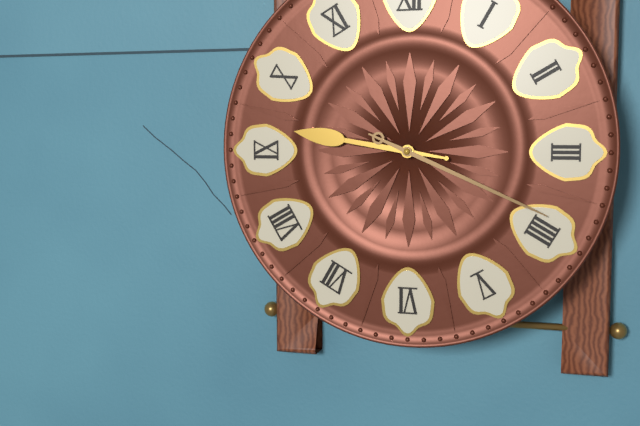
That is 9:19
